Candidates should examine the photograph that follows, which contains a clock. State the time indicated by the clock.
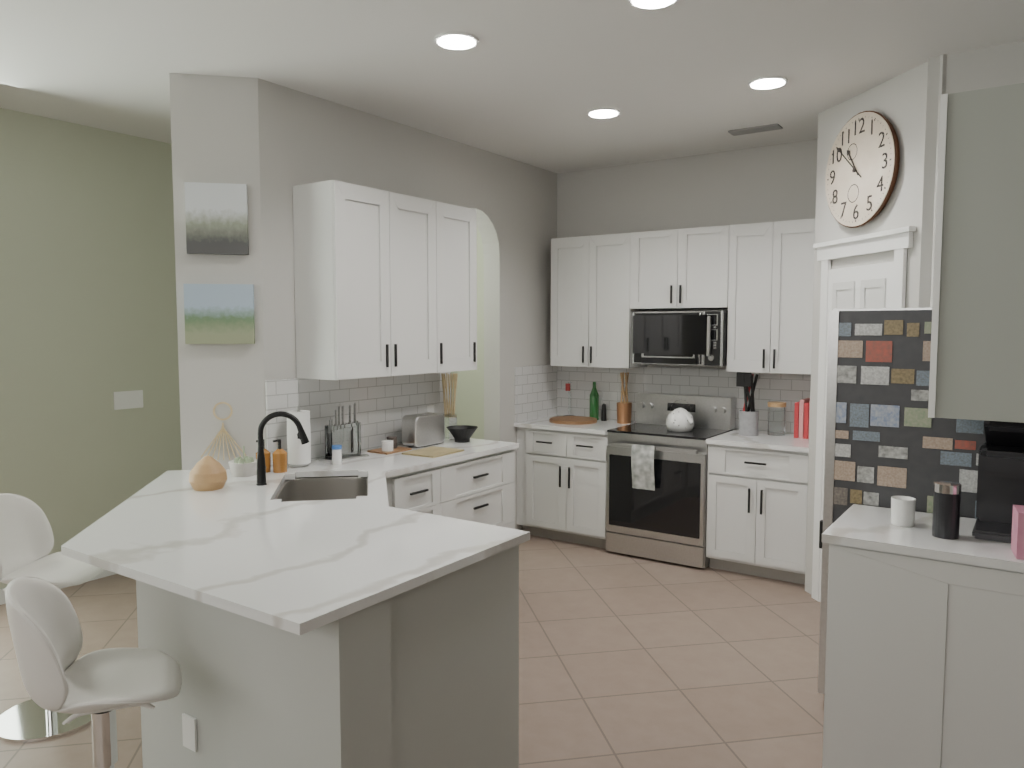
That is 10:52
